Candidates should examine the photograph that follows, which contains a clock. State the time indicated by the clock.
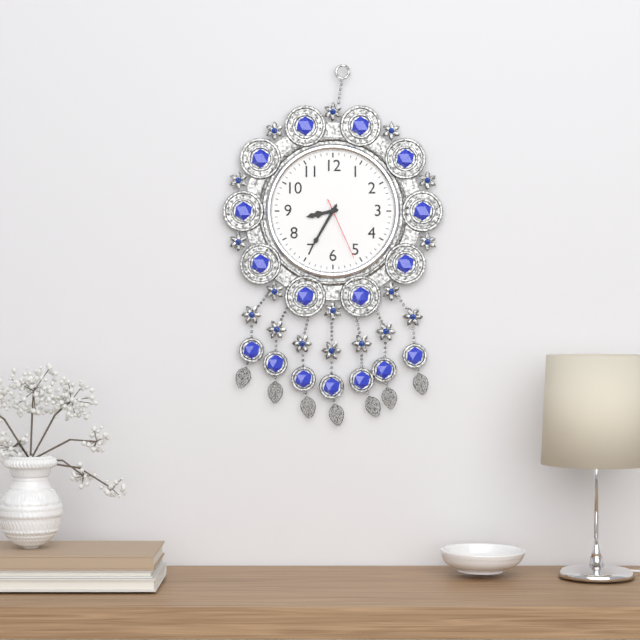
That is 8:35:26
